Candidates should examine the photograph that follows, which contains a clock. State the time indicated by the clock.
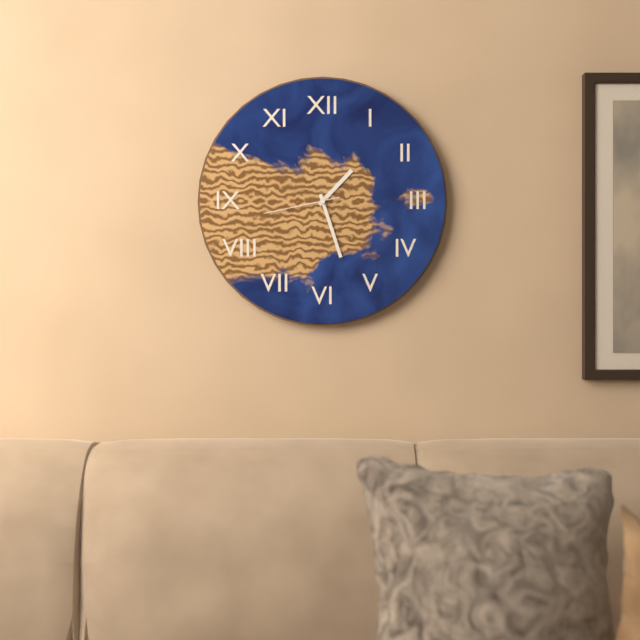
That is 1:27:43
